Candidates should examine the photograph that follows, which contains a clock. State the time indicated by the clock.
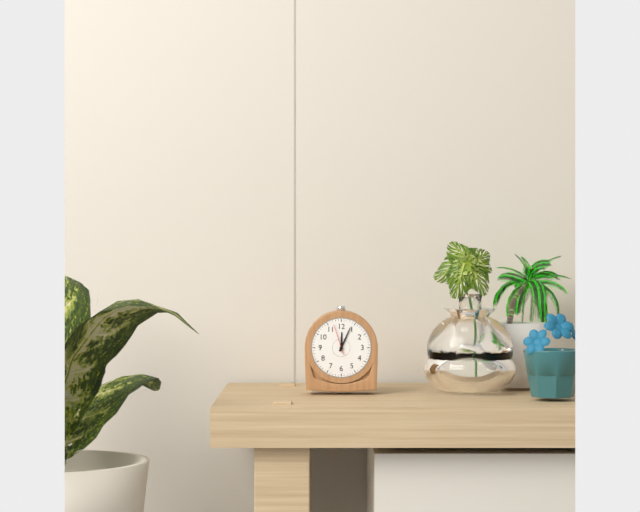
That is 12:04
